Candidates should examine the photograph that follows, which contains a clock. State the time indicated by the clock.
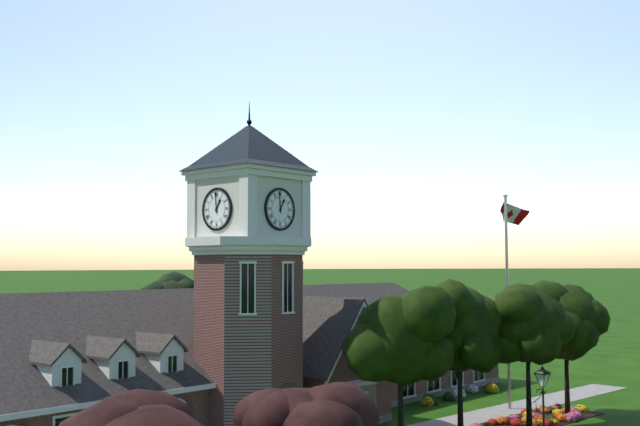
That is 12:59
